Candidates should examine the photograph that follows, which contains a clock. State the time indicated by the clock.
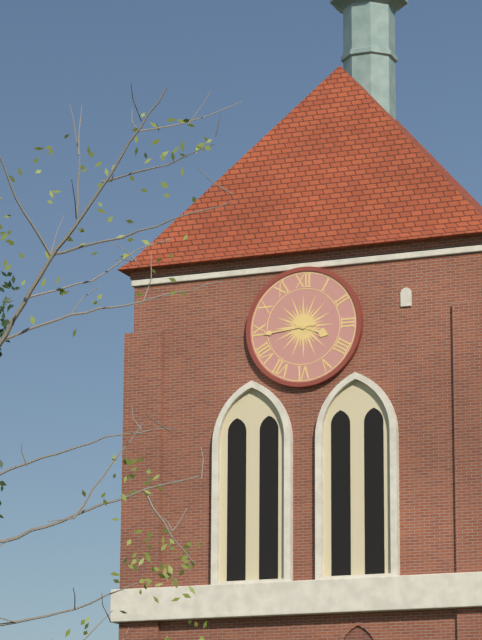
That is 3:44
